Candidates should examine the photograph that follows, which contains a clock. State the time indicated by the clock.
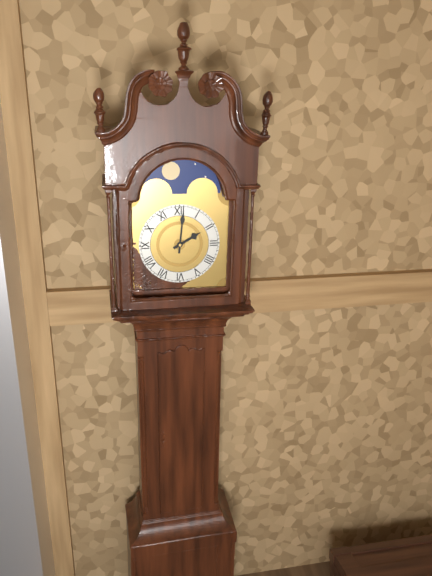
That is 2:01
